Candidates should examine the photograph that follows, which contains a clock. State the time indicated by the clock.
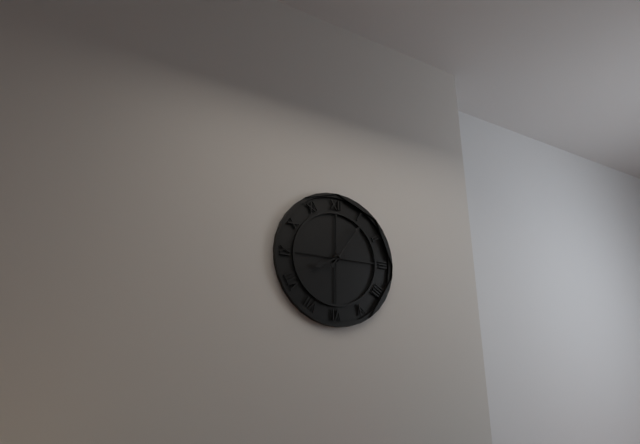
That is 8:06
